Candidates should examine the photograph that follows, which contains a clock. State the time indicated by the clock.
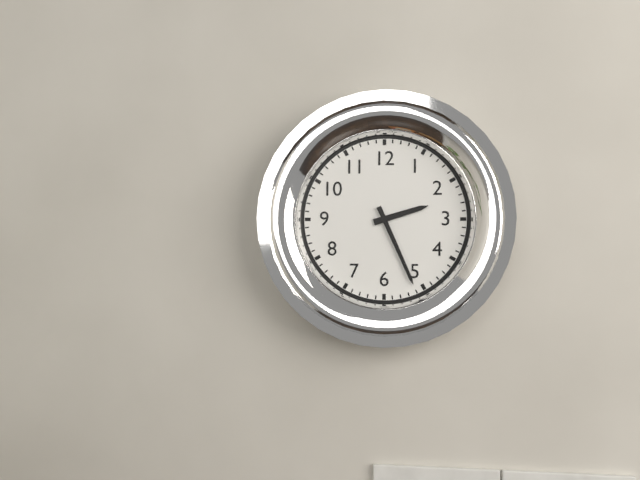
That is 2:26
